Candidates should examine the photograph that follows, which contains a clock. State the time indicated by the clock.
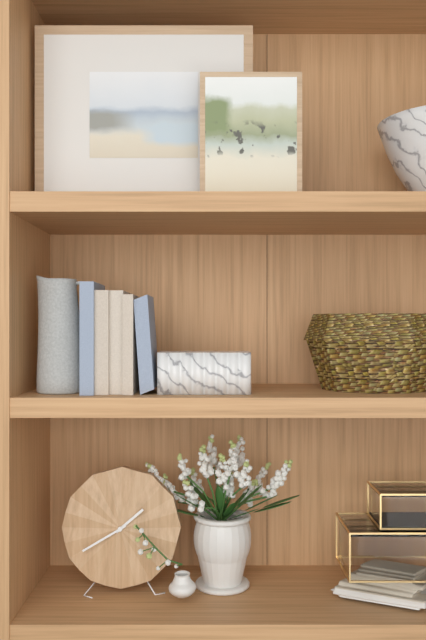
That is 1:40
